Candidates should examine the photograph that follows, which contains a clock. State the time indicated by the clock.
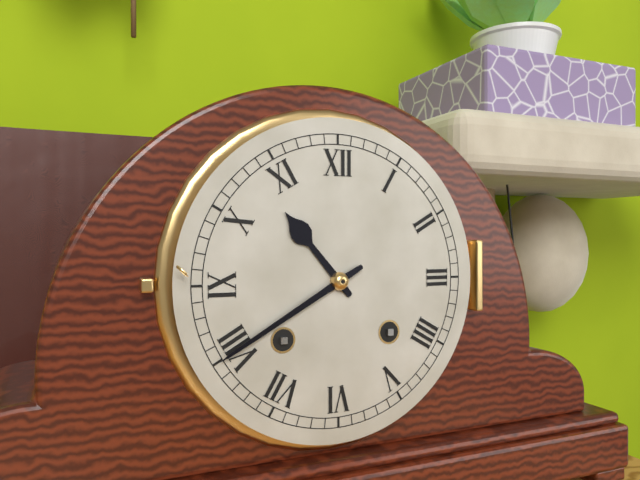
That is 10:40
